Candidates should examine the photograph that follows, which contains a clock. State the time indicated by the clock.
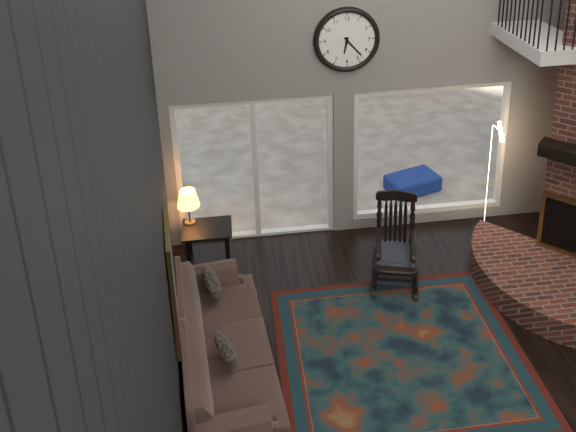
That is 6:23
